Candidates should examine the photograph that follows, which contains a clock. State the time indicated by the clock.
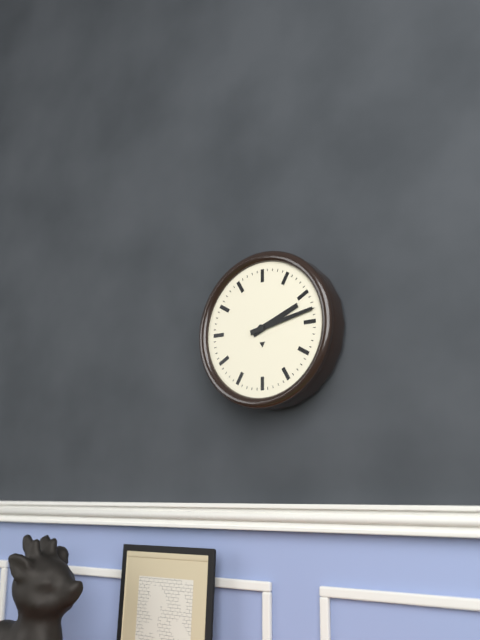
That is 2:13
